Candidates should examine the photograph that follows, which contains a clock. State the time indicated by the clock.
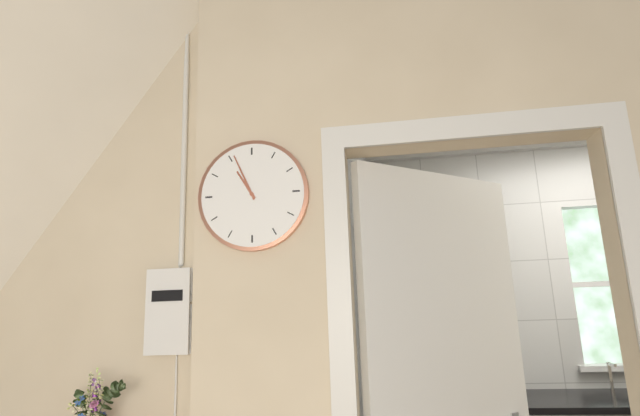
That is 10:56
